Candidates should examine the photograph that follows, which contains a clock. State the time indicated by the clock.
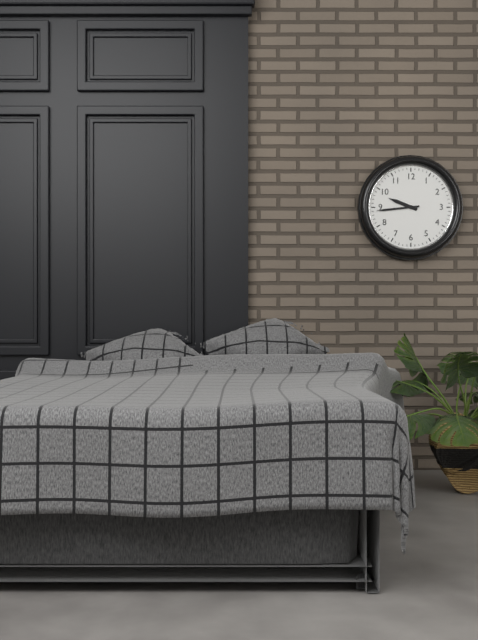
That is 9:44
